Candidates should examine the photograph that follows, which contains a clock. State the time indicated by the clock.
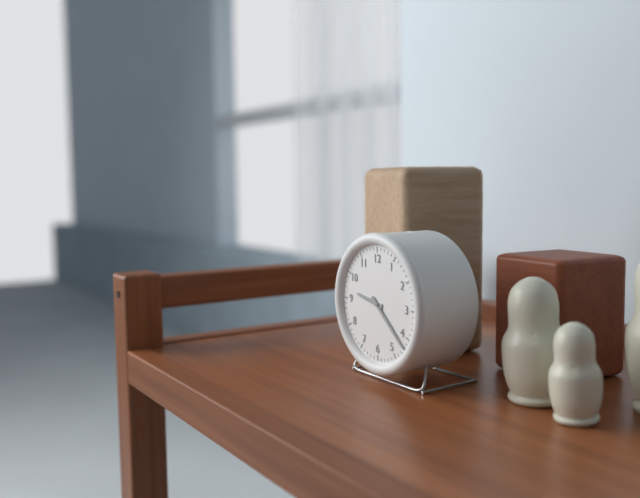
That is 9:22
